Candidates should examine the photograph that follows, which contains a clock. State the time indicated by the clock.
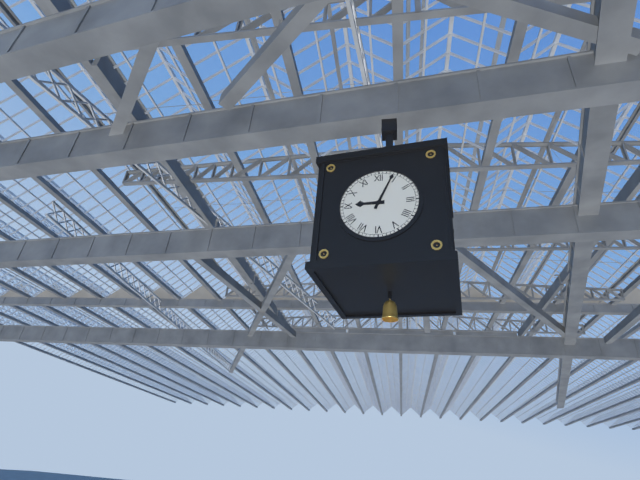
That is 9:04
